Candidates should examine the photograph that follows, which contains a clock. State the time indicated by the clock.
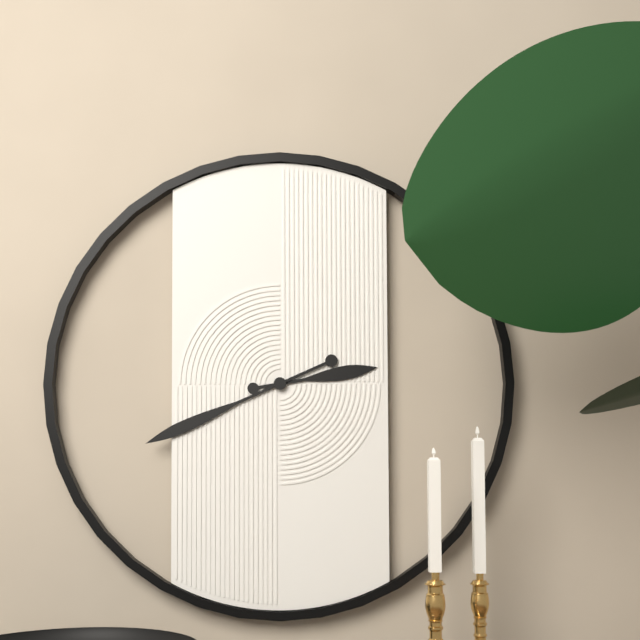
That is 2:41
